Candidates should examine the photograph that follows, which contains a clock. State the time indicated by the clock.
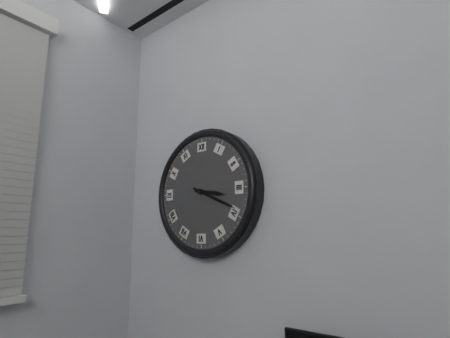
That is 3:19
